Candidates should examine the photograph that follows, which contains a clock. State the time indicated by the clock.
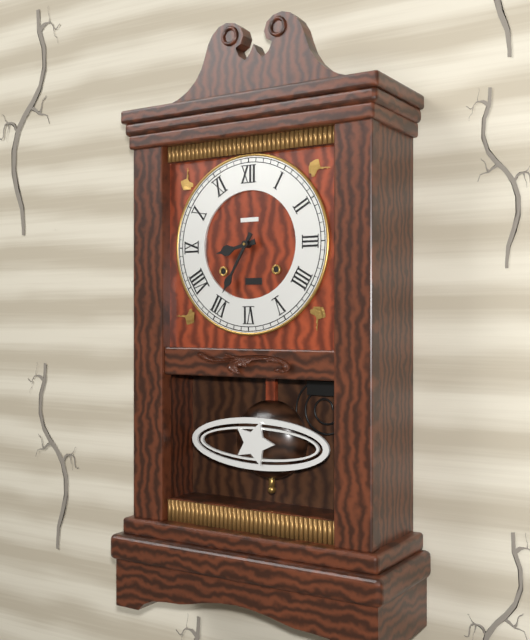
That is 8:35
